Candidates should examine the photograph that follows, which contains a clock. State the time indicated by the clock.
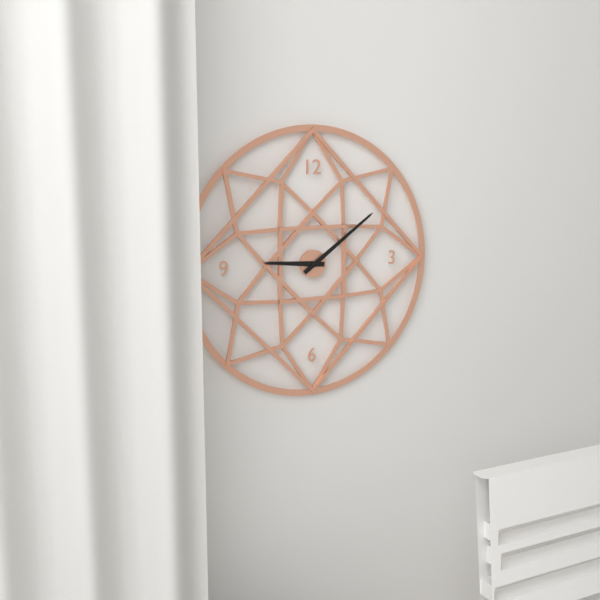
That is 9:09
